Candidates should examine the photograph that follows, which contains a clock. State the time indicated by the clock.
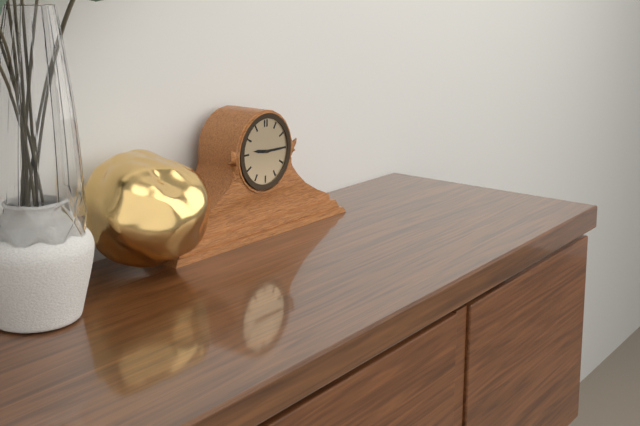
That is 9:15
